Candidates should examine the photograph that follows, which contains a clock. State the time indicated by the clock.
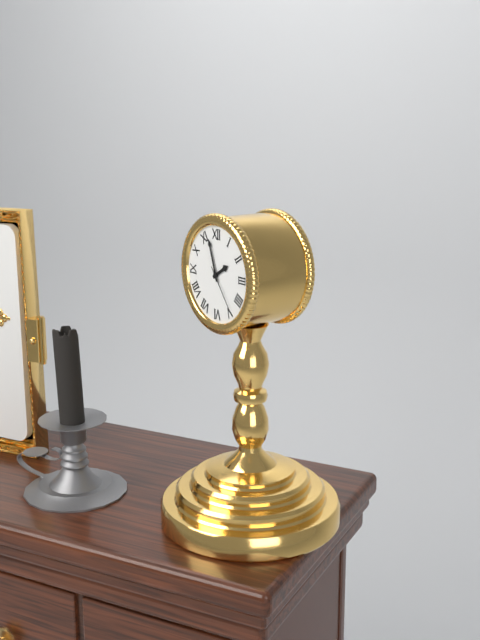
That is 1:57:24
